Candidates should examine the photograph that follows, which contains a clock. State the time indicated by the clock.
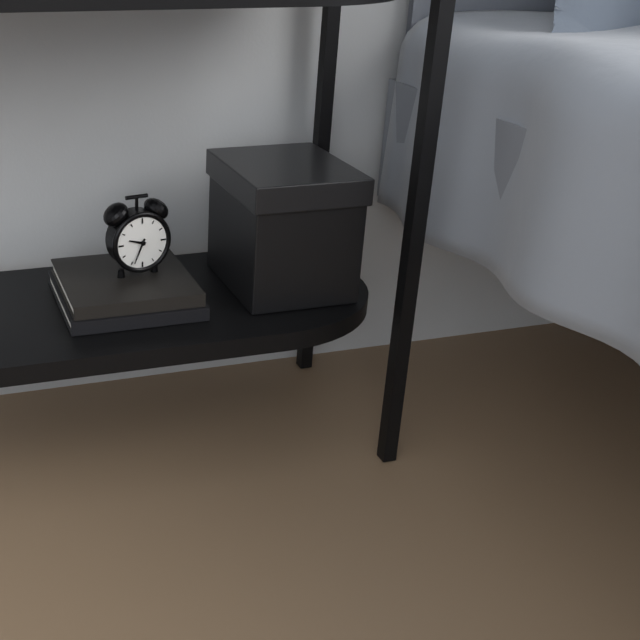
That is 9:34
